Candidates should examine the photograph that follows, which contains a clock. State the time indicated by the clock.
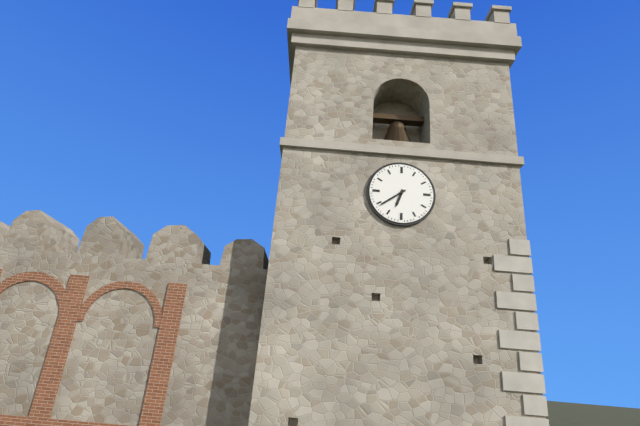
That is 6:39
